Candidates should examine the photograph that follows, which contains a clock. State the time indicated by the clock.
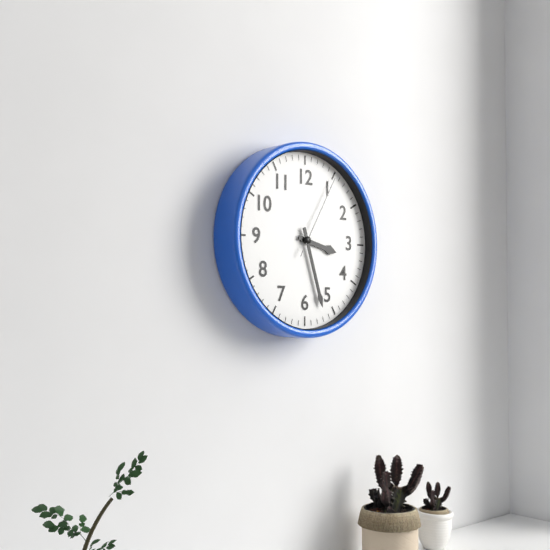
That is 3:27:05
